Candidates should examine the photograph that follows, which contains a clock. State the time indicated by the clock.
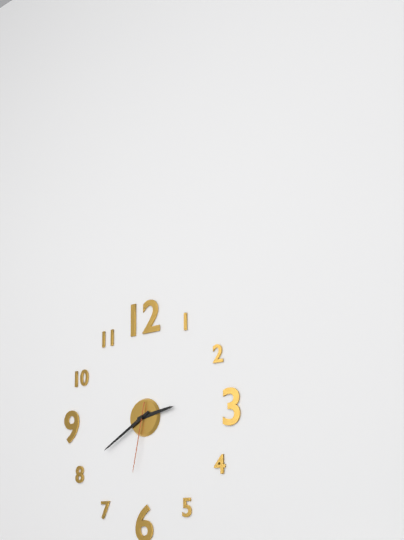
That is 2:40:32
